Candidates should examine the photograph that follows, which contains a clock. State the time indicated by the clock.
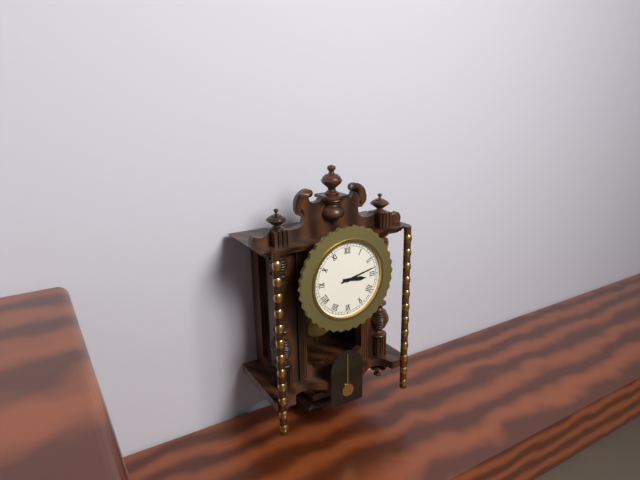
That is 3:13
